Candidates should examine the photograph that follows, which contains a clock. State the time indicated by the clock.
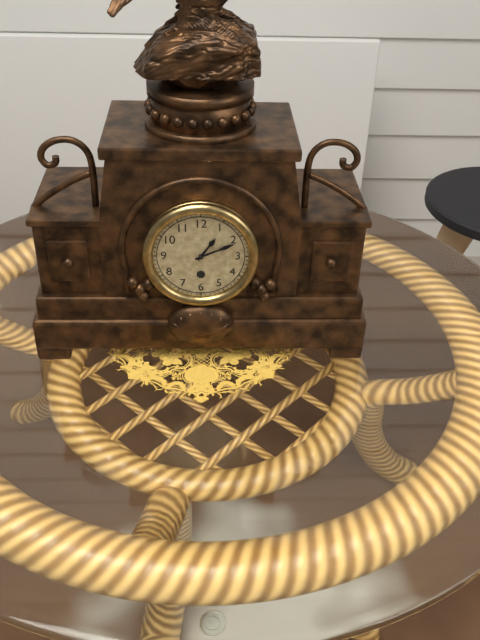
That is 1:11
